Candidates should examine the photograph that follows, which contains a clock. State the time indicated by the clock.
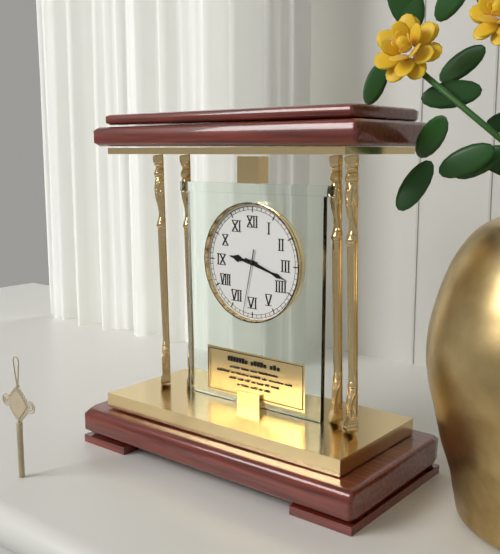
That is 9:18:32
